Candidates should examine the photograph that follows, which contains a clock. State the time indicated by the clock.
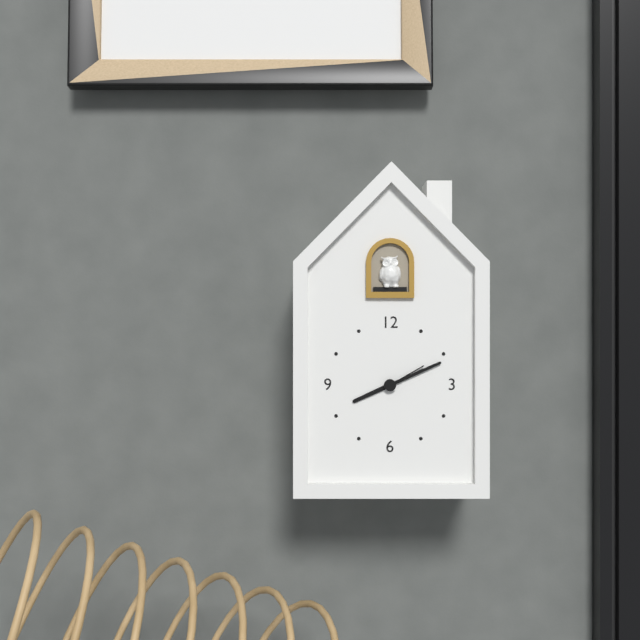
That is 8:11
